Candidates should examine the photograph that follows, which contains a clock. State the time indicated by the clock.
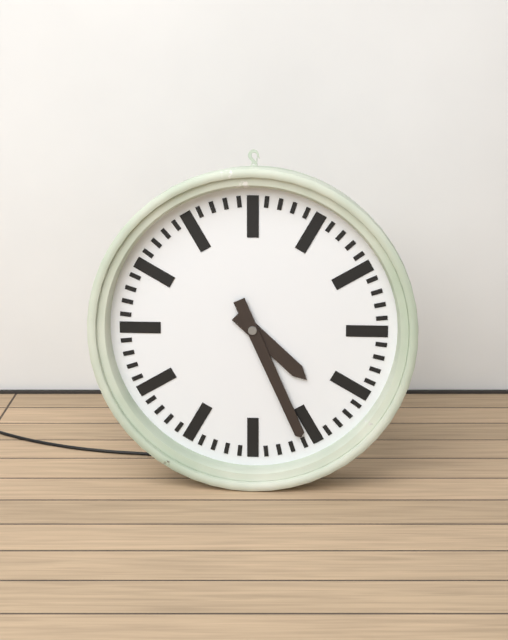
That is 4:26
